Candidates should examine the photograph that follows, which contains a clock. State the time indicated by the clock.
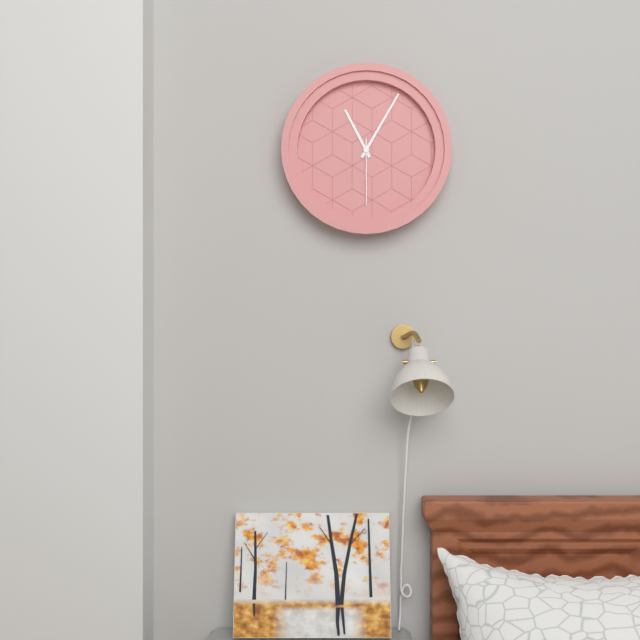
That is 11:05:30
